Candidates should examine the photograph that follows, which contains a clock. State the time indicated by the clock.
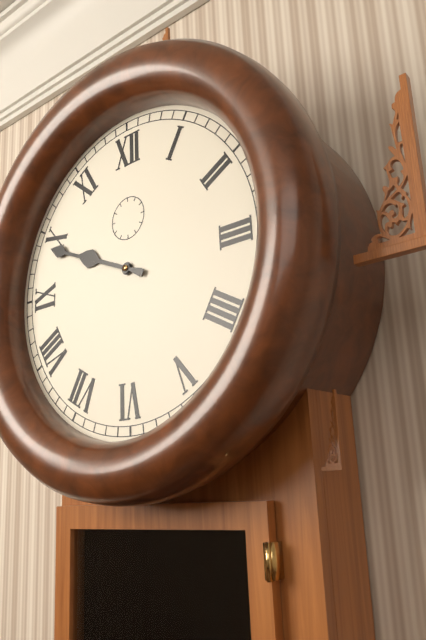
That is 9:49
